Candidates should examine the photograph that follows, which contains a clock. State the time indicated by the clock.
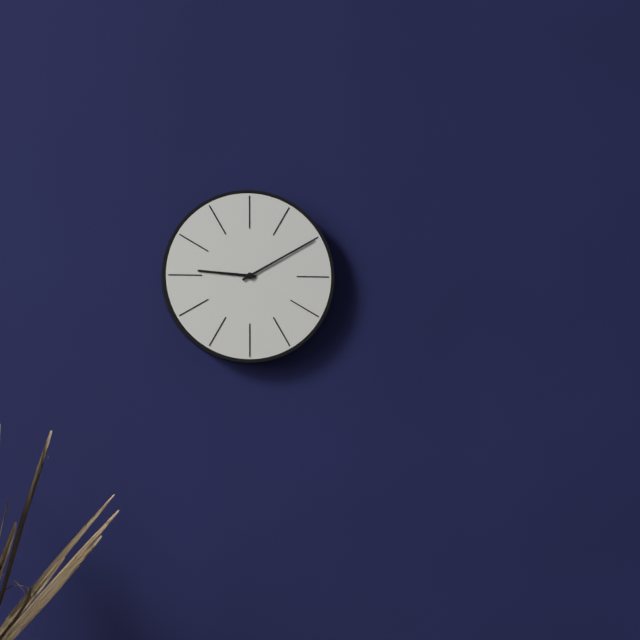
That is 9:10
